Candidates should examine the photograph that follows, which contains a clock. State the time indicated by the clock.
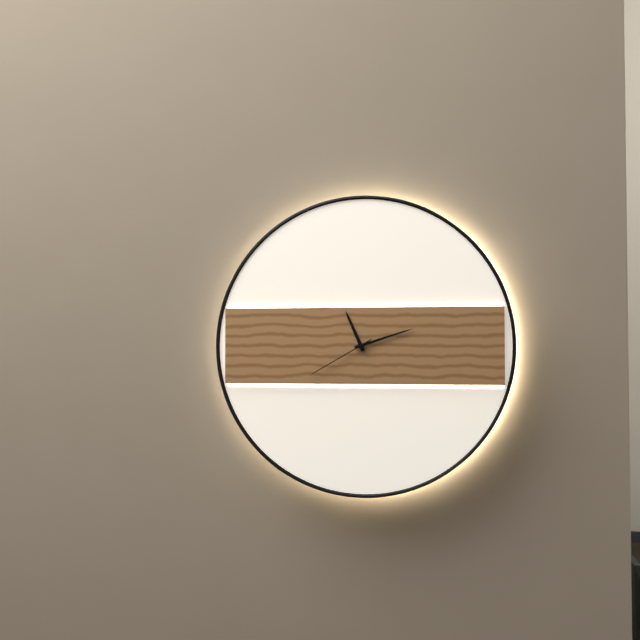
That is 11:12:40
